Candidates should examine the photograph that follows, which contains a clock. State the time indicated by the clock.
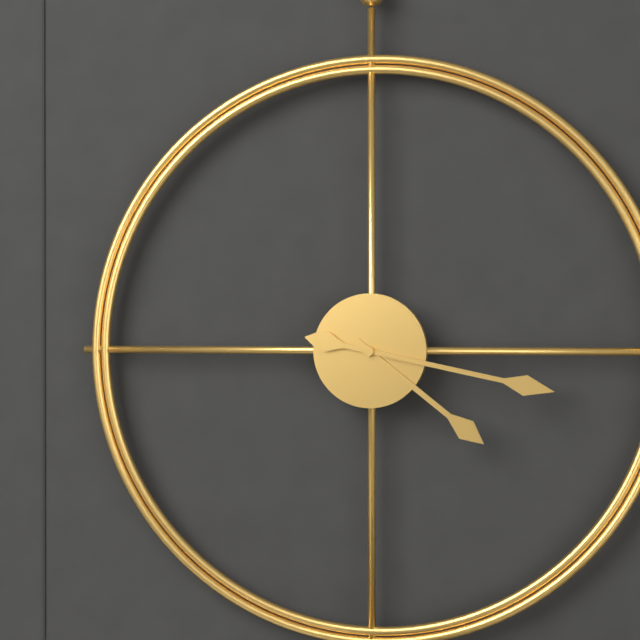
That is 4:17
